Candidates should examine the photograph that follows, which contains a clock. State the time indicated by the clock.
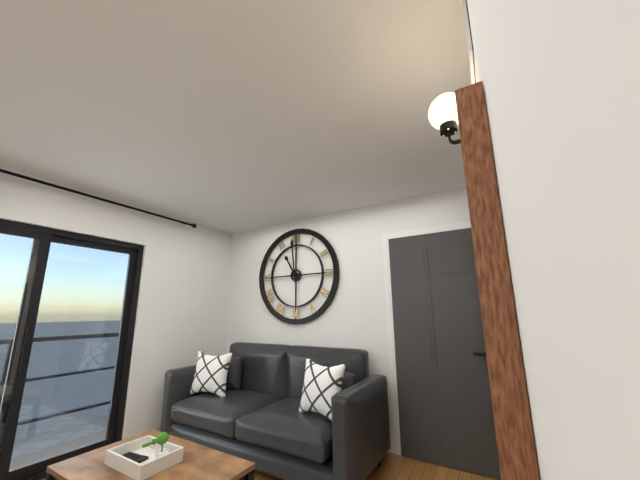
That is 10:59
